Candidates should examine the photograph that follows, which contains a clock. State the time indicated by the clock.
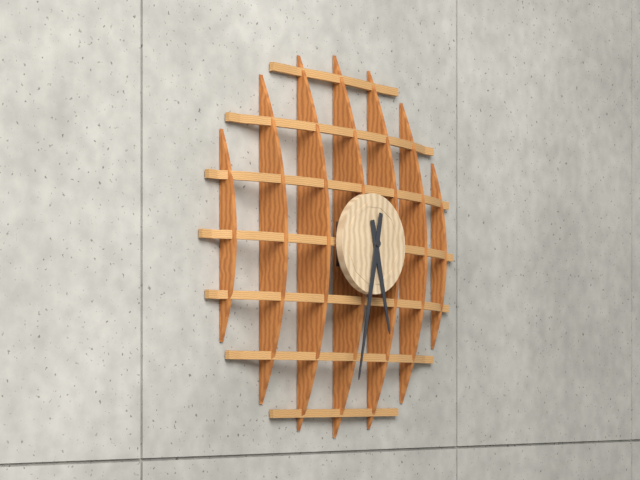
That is 5:32
